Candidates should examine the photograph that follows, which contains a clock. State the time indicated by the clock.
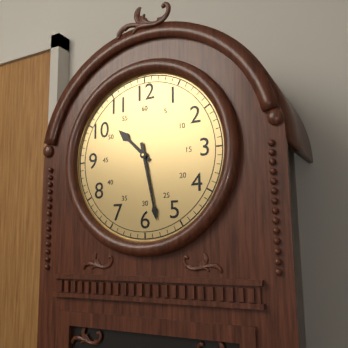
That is 10:28
